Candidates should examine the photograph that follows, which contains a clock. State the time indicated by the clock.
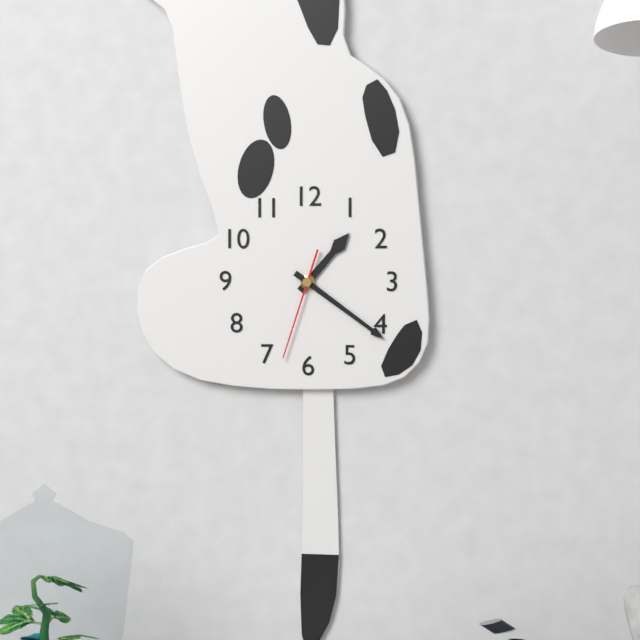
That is 1:21:33
